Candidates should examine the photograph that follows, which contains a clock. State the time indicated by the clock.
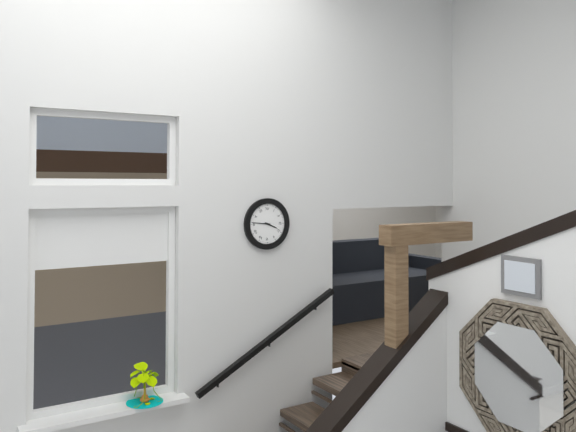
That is 3:46
